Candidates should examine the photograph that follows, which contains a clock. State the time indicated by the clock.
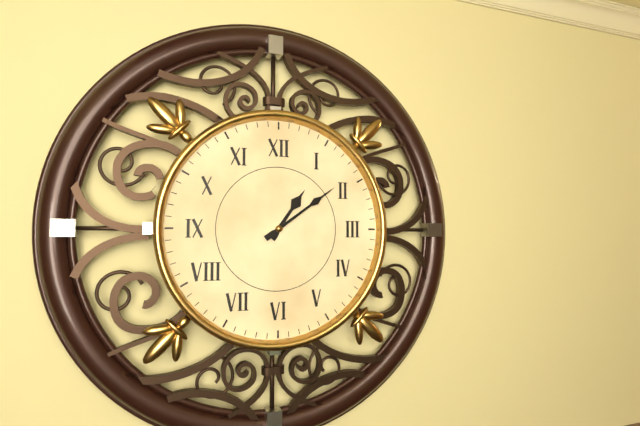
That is 1:09
